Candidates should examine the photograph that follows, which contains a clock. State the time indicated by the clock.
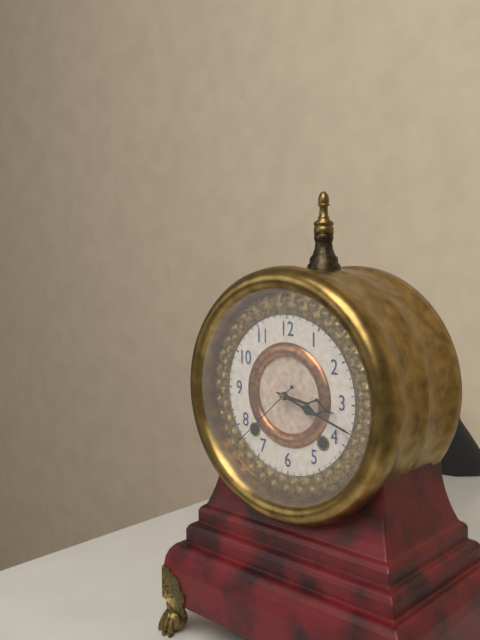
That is 3:18:38
